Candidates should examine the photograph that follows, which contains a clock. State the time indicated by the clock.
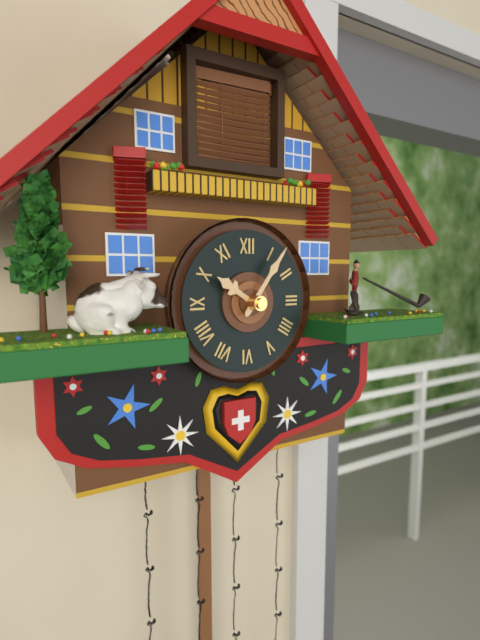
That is 10:06
